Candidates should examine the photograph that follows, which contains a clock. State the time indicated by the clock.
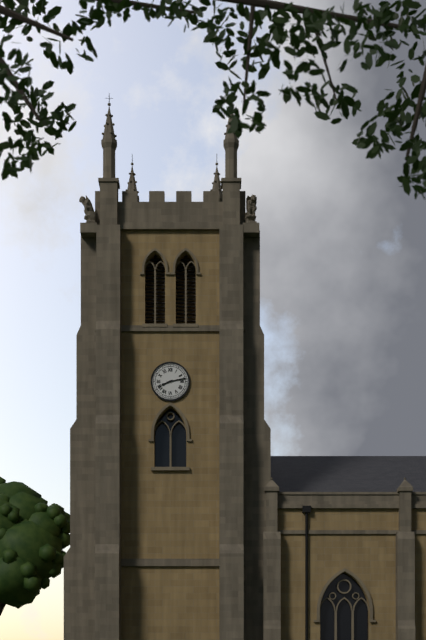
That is 8:13
